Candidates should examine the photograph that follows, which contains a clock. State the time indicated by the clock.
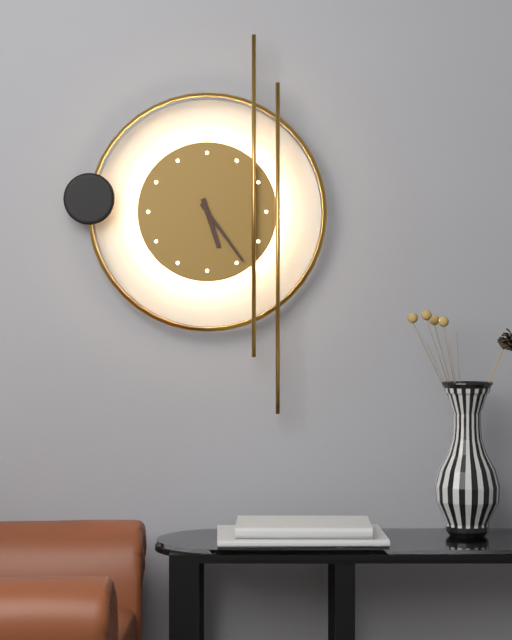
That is 5:24
